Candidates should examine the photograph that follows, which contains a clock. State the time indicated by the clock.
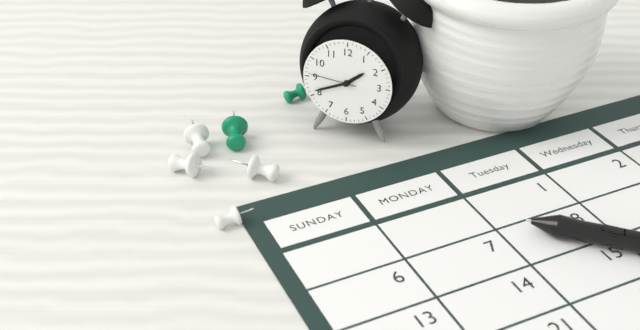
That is 1:41
